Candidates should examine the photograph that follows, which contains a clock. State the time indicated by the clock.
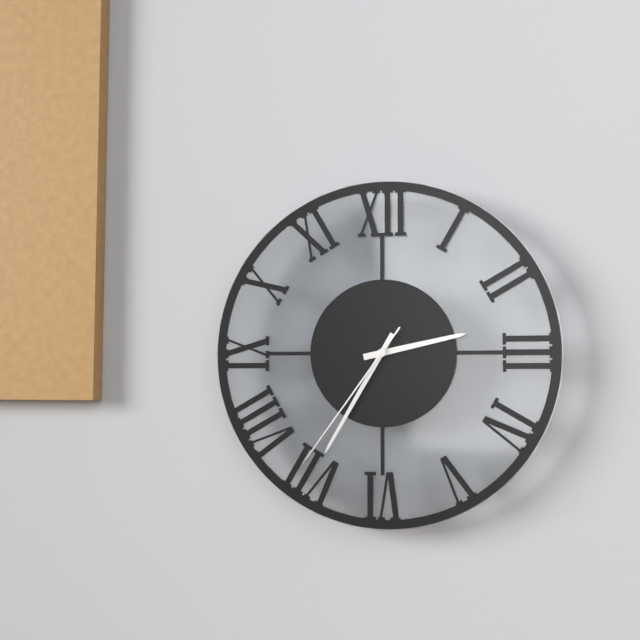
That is 2:35:36
